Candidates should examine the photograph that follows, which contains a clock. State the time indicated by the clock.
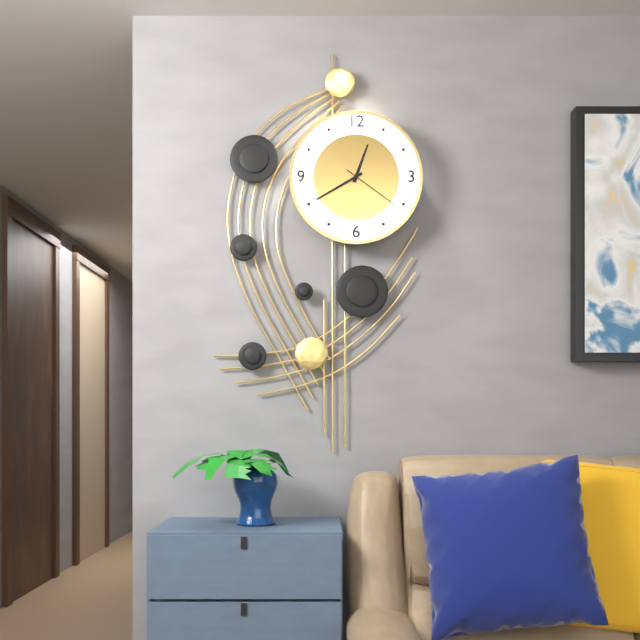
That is 12:40:21
